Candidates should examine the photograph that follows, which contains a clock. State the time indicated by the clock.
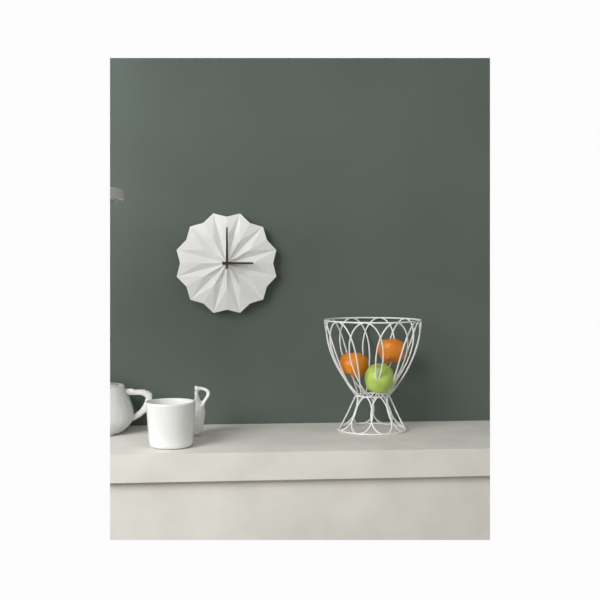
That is 3:00
